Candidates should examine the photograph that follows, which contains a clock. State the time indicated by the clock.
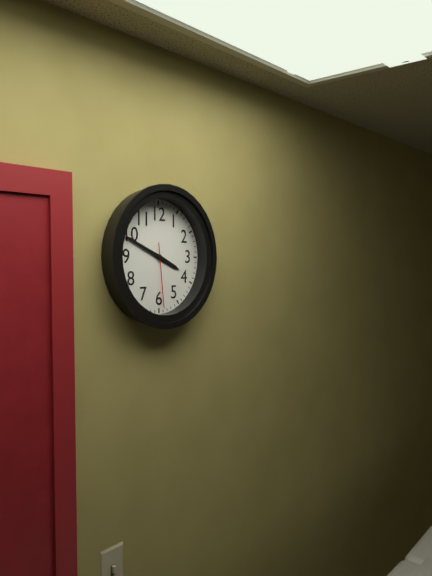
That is 3:49:29
